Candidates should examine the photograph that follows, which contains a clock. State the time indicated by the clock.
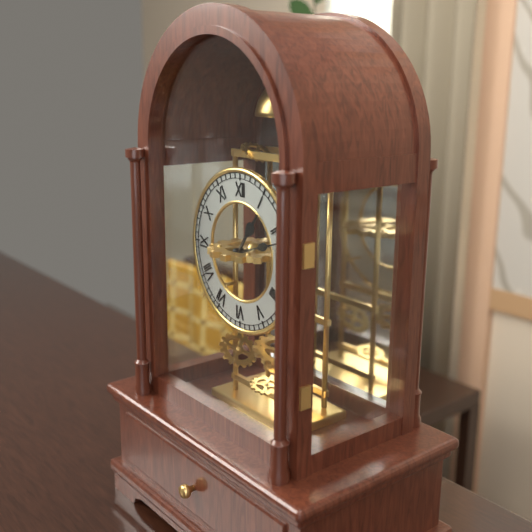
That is 1:12
